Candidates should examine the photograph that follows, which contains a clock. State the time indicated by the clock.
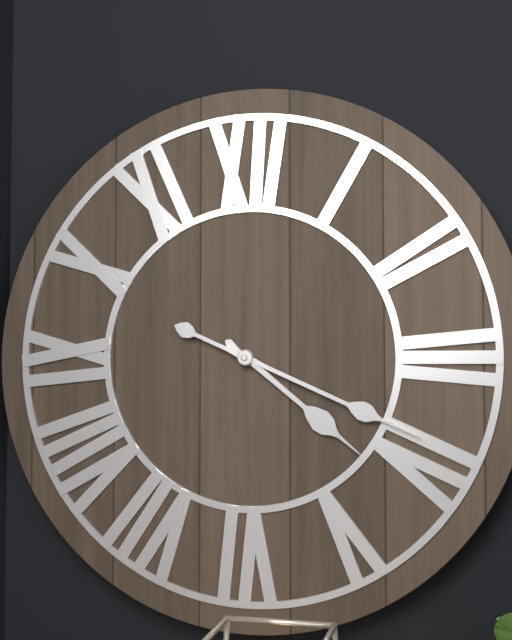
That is 4:19
